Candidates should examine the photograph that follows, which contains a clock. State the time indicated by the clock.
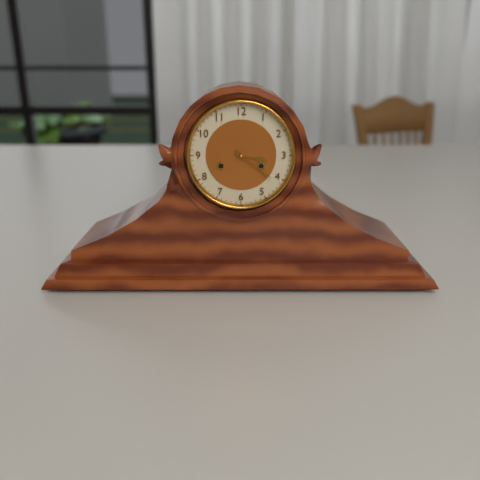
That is 3:21
